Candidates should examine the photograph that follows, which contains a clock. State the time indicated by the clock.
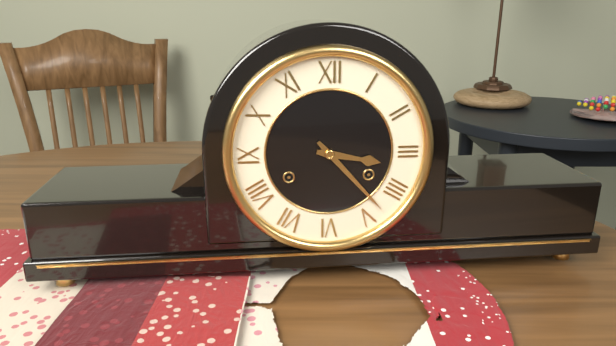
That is 3:23
